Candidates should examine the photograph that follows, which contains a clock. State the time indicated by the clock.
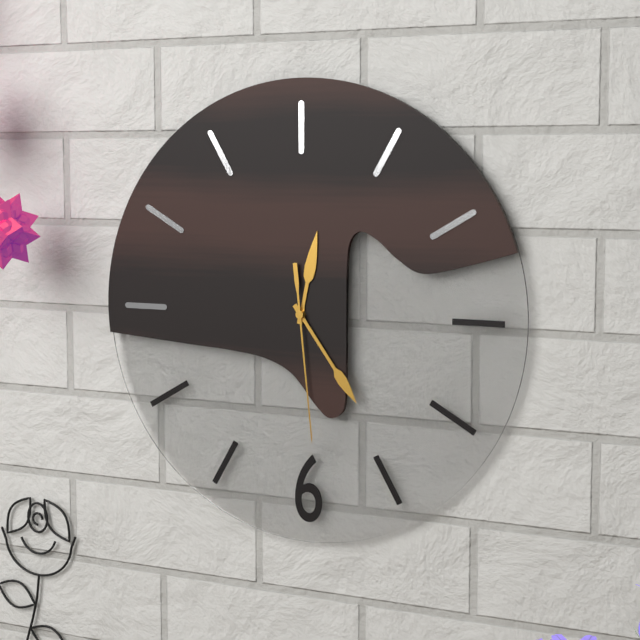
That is 12:24:29
